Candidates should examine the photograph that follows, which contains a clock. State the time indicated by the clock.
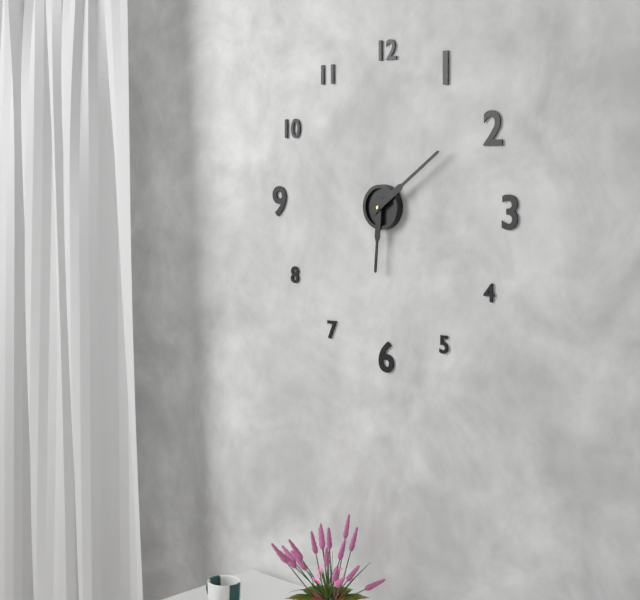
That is 6:09
